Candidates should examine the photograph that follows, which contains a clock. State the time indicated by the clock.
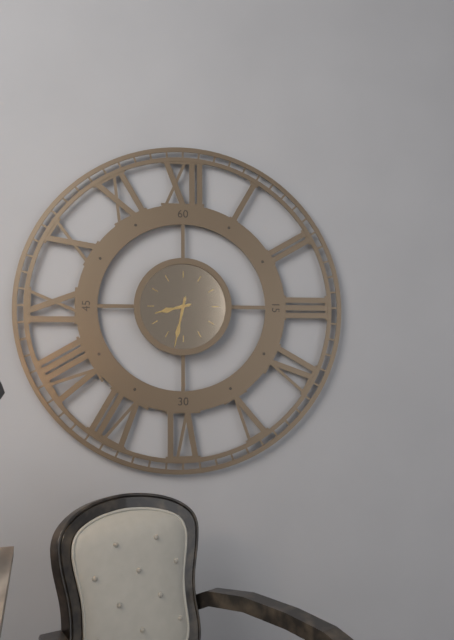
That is 8:32
